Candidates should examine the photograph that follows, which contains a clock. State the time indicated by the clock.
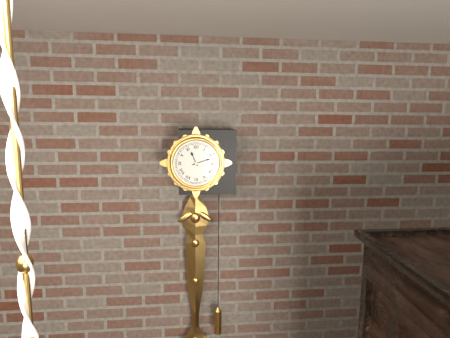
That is 11:12
